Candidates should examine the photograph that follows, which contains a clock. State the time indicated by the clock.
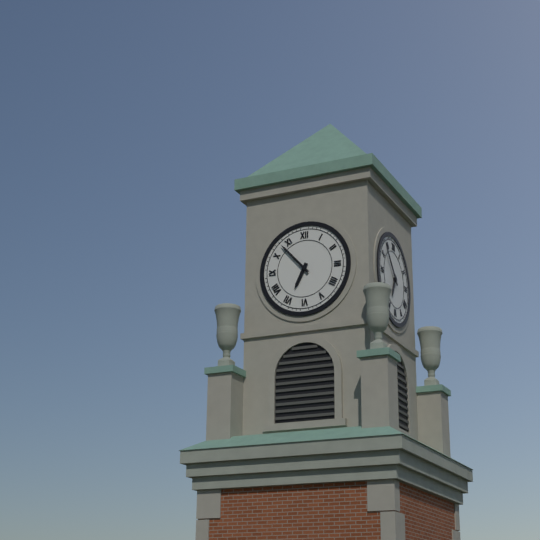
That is 6:53
